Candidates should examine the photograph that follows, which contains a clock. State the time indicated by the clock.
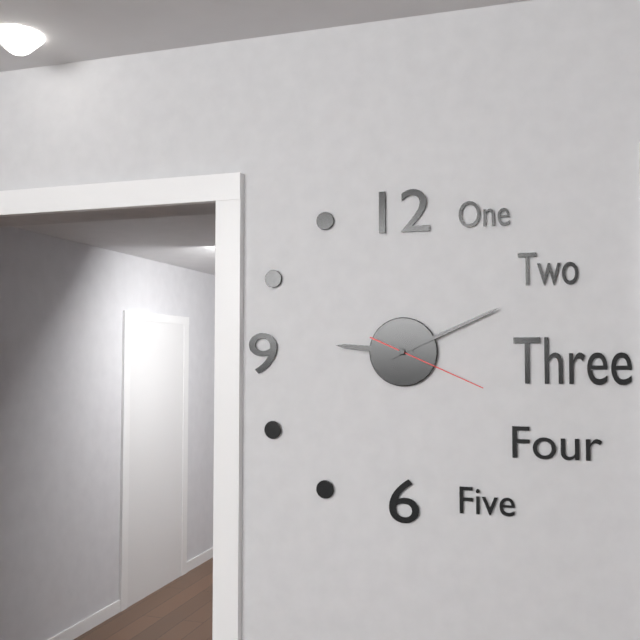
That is 9:11:19
